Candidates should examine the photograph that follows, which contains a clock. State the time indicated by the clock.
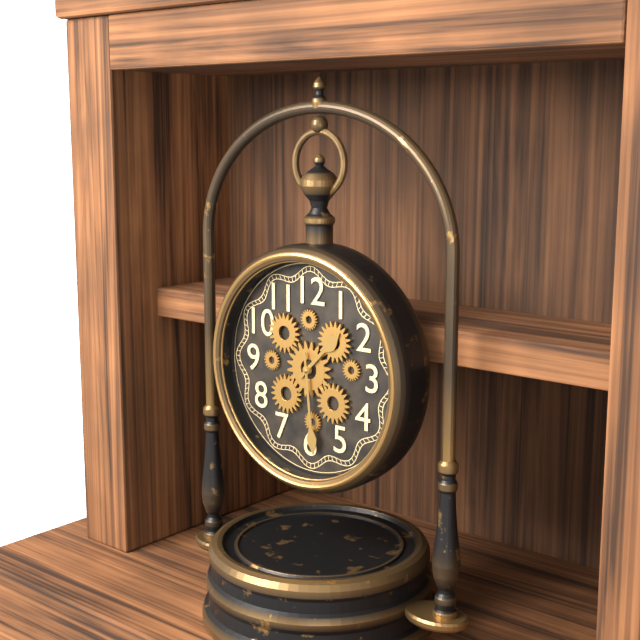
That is 1:29
